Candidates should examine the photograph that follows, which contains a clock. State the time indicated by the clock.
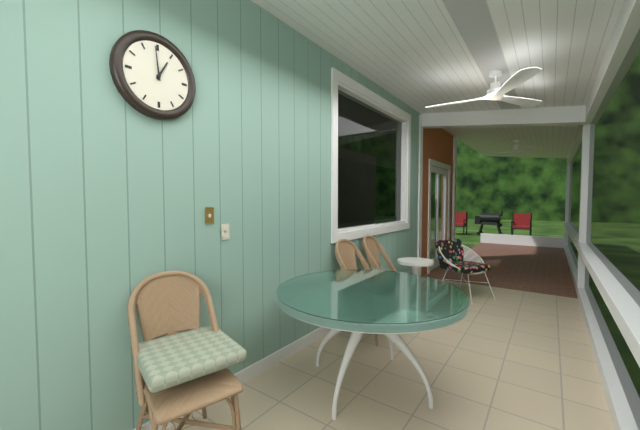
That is 12:59
